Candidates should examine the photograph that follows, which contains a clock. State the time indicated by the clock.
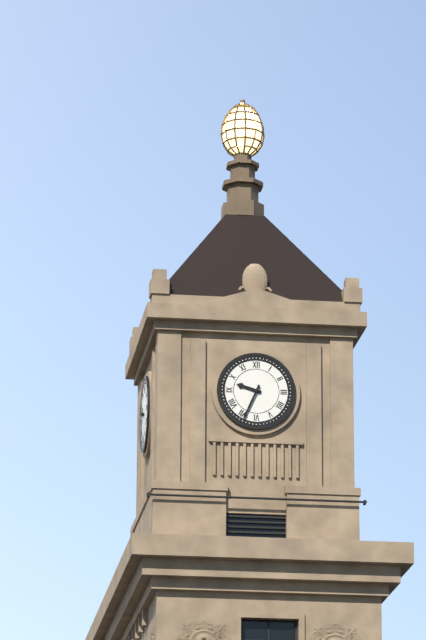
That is 9:34
